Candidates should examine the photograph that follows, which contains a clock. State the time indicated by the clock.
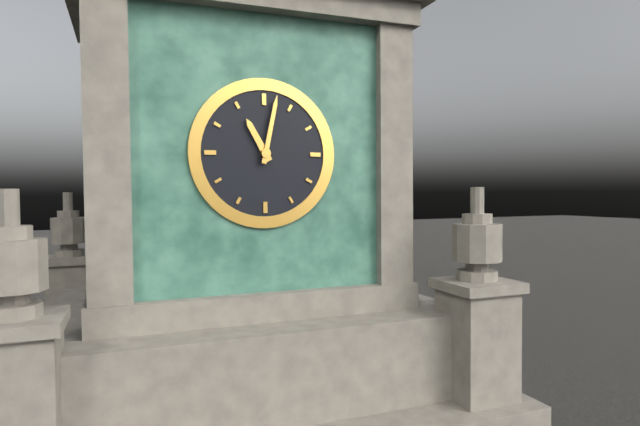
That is 11:02
